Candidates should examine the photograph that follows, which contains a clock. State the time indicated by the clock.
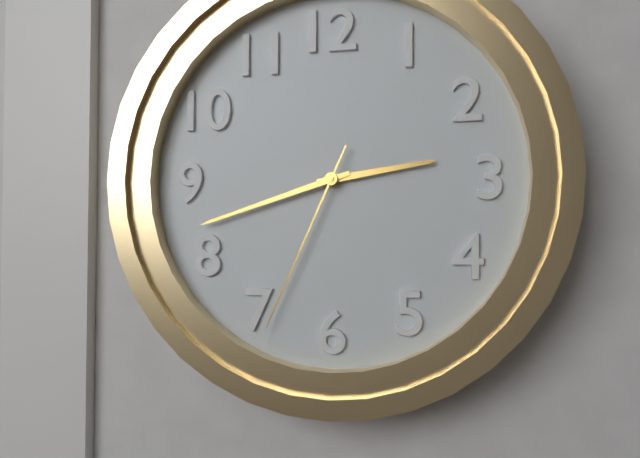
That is 2:42:34
